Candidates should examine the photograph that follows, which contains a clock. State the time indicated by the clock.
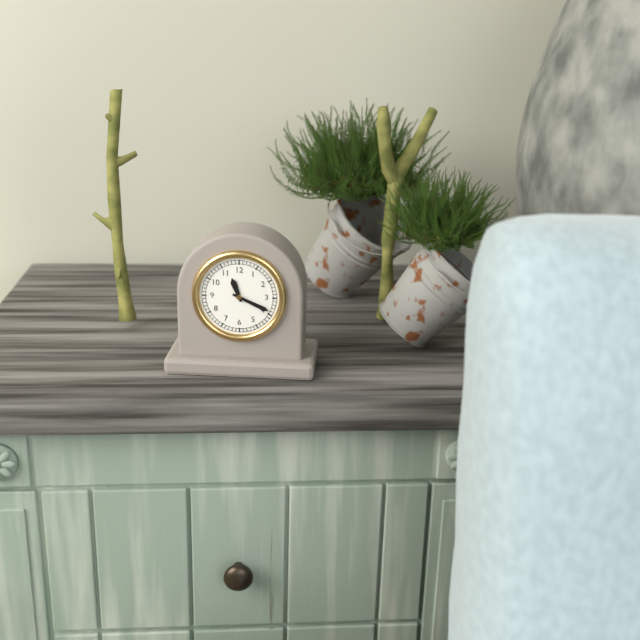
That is 11:19
